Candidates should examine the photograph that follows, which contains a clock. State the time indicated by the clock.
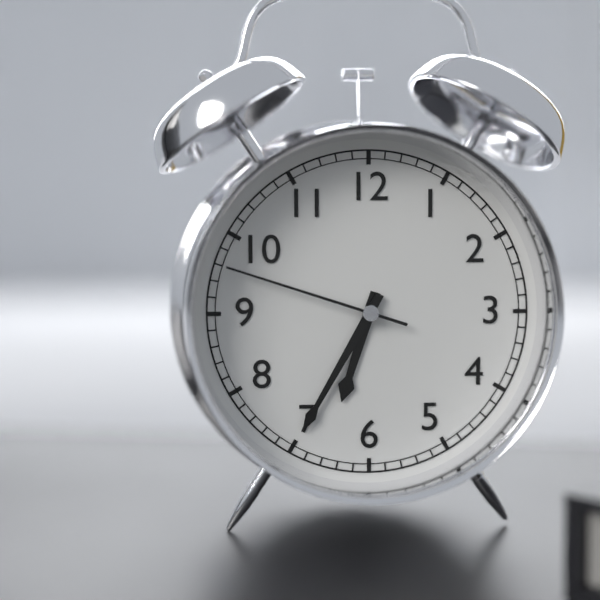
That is 6:35:48
